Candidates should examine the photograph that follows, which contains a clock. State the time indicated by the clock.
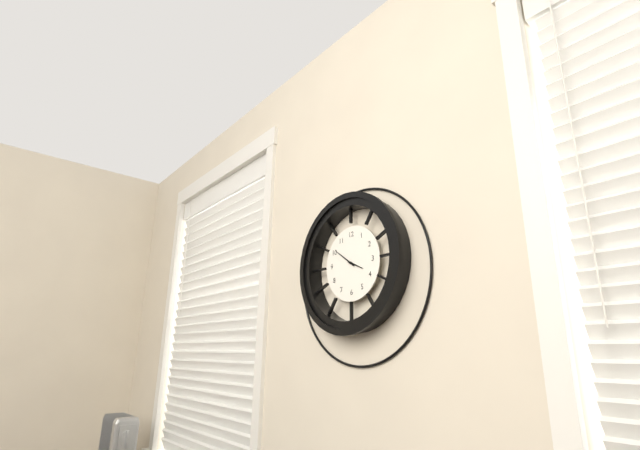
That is 3:51
